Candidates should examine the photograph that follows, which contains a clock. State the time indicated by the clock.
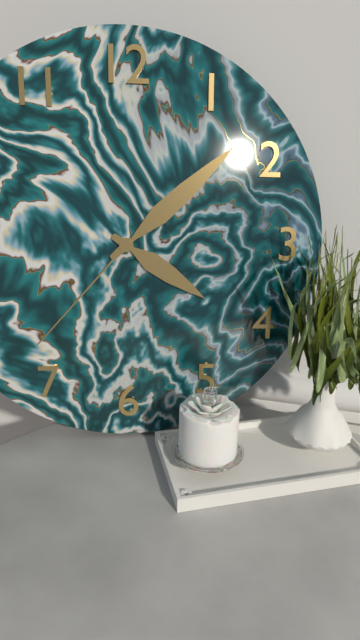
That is 4:08:37
